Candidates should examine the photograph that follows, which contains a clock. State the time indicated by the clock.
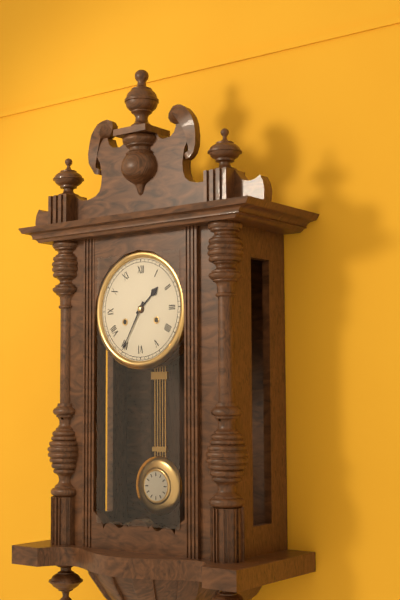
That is 1:35
